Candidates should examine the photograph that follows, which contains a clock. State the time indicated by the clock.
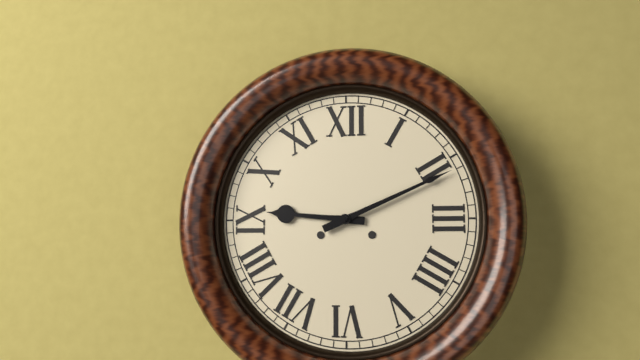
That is 9:11
